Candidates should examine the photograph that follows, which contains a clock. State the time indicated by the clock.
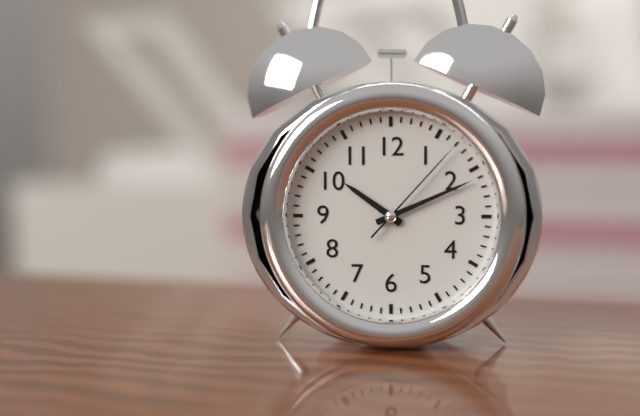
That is 10:11:07
